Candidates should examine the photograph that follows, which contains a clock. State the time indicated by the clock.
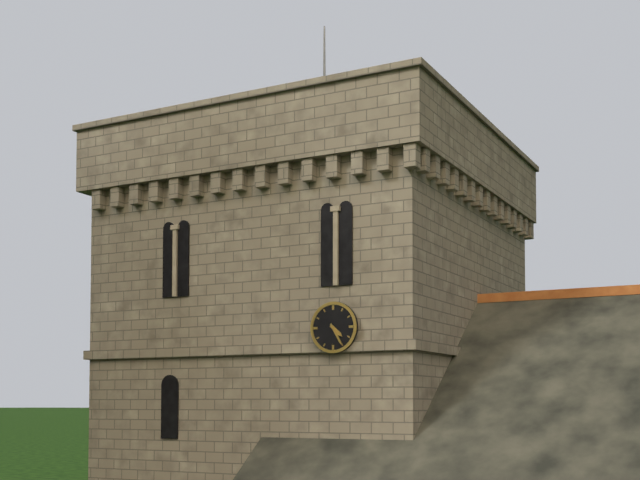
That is 4:25
